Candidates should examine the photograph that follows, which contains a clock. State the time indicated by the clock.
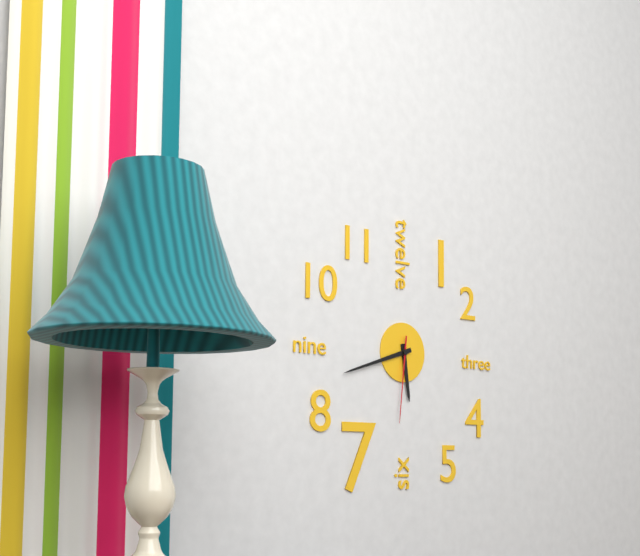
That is 5:42:31
